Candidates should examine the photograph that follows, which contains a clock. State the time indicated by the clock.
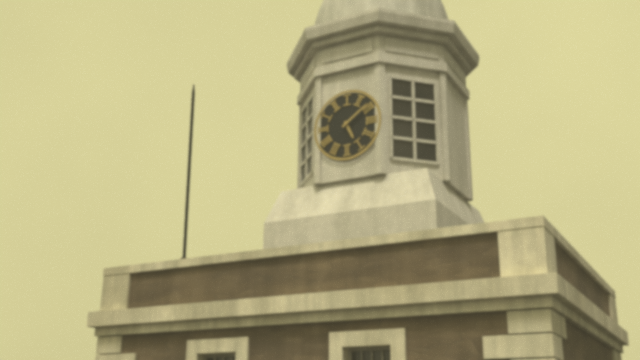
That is 5:09
